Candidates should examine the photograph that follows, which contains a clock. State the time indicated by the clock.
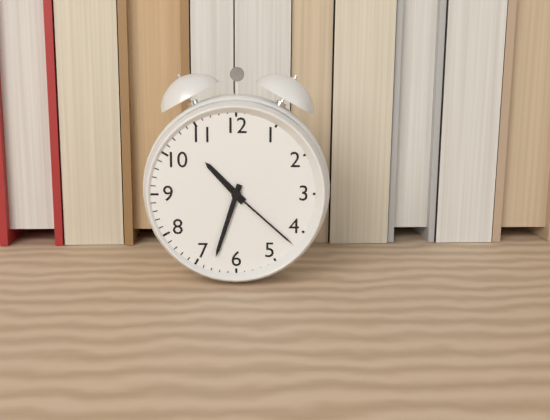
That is 10:33:22
